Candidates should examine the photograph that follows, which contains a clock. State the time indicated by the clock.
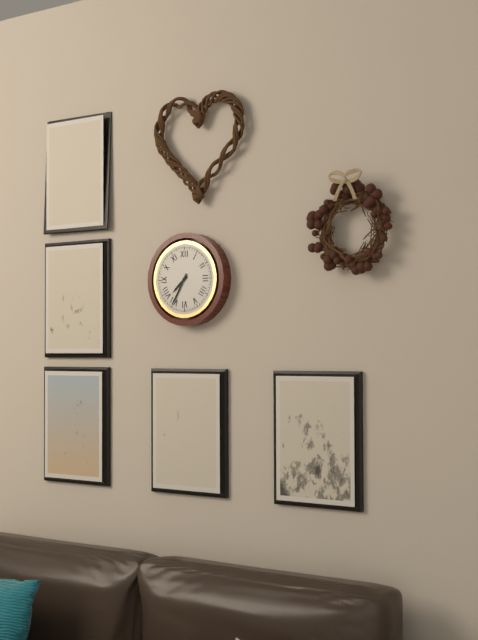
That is 7:35
